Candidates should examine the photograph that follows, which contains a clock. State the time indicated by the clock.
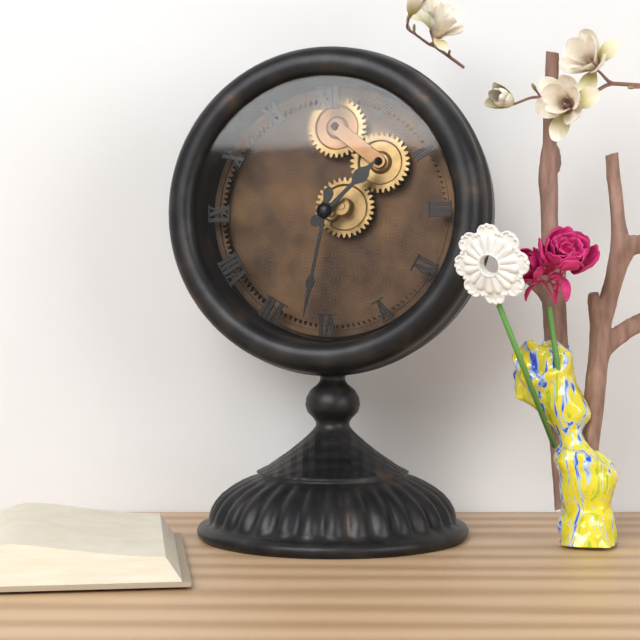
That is 1:32
